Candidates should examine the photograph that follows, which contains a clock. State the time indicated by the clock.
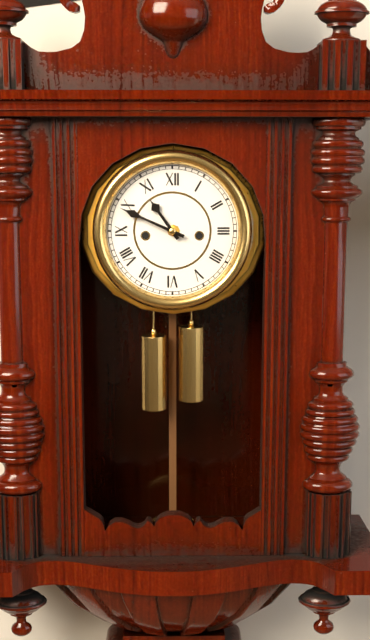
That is 10:49
